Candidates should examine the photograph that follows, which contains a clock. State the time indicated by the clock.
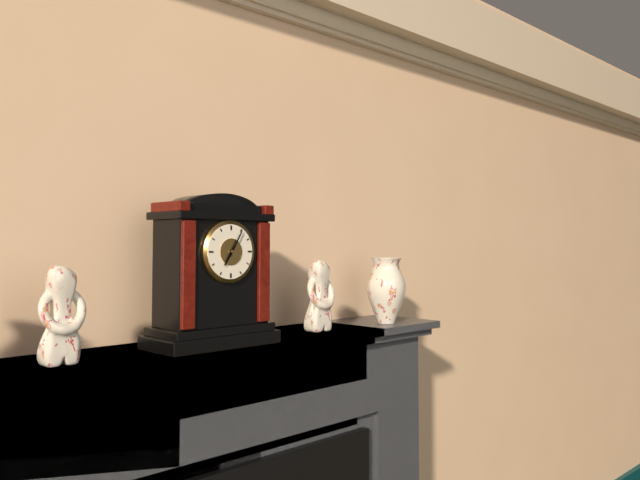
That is 7:05
